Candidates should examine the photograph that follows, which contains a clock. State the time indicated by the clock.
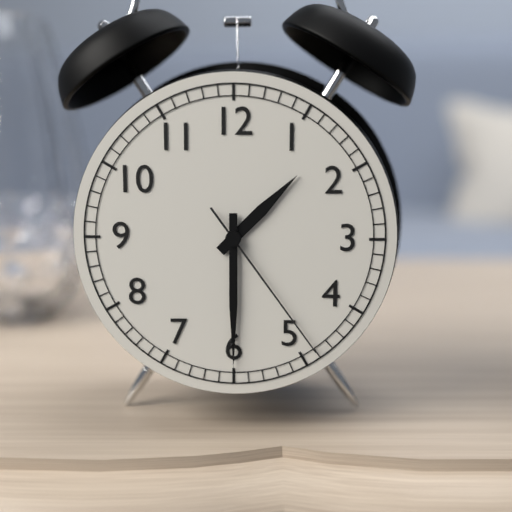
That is 1:30:24
